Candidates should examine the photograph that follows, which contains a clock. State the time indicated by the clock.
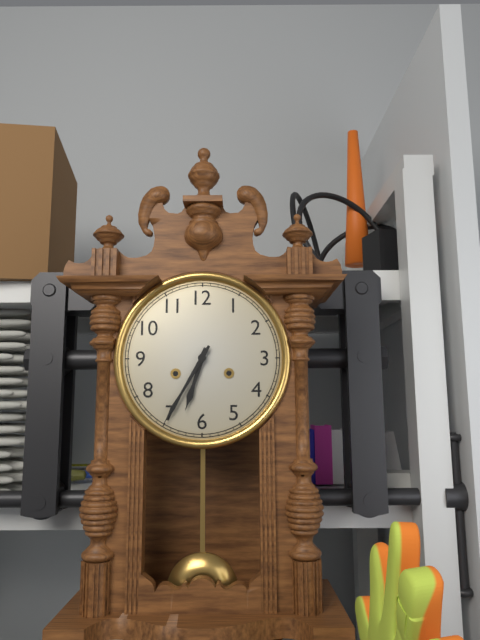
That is 6:35
